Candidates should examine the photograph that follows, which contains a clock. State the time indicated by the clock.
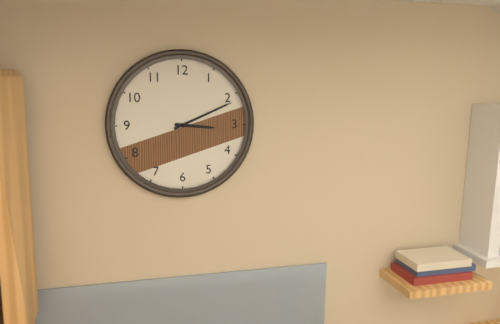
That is 3:11
